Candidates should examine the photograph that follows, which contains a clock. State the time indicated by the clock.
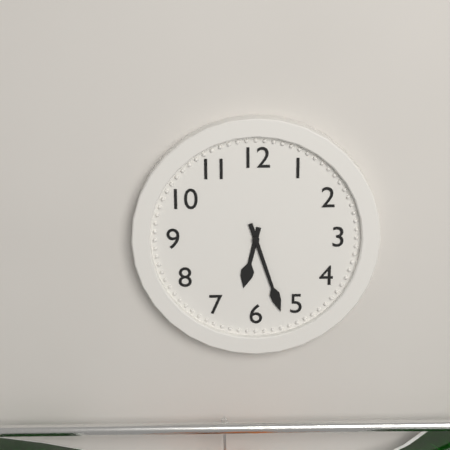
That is 6:27
